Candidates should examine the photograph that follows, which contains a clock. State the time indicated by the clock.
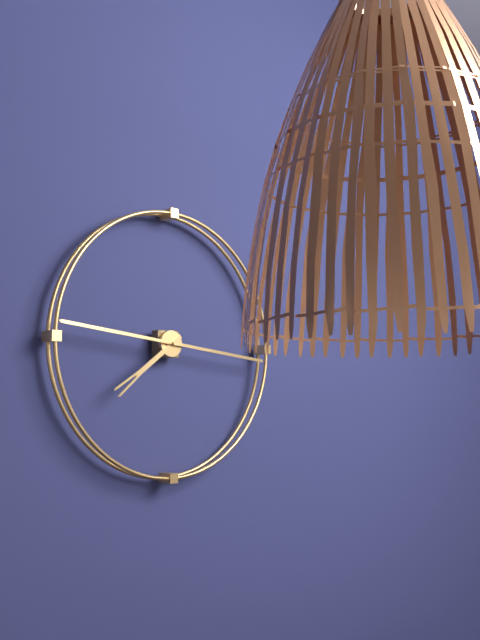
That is 7:46
